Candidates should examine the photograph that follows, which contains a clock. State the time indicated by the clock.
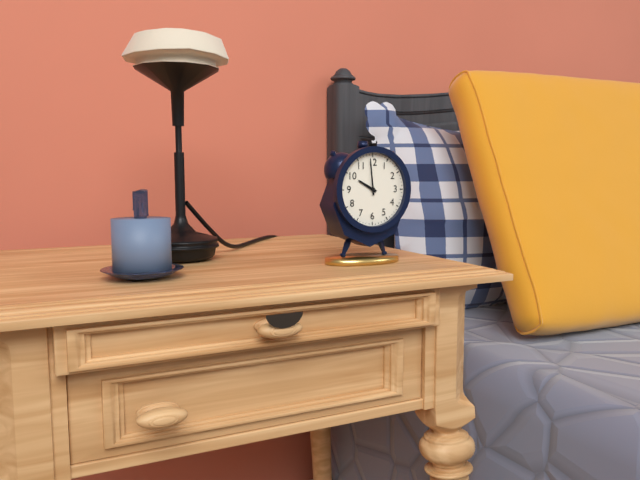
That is 9:59
